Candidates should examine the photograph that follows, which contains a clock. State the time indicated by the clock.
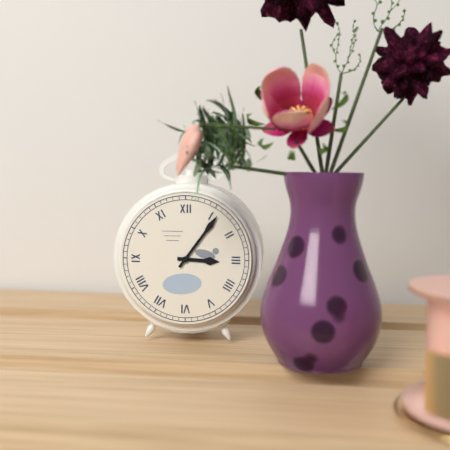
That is 3:06
